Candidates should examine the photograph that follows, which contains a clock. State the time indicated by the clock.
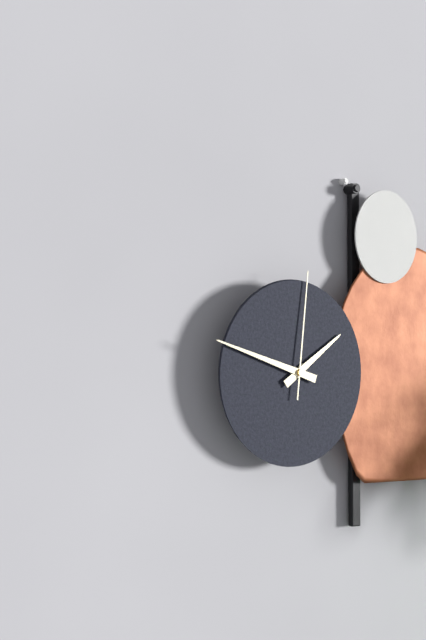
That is 1:48:01
